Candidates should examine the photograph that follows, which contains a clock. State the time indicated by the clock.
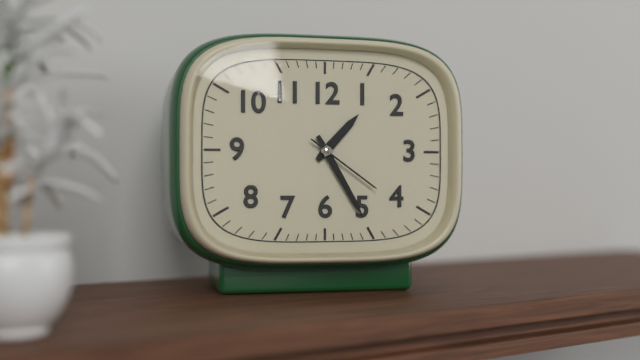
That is 1:25:21
